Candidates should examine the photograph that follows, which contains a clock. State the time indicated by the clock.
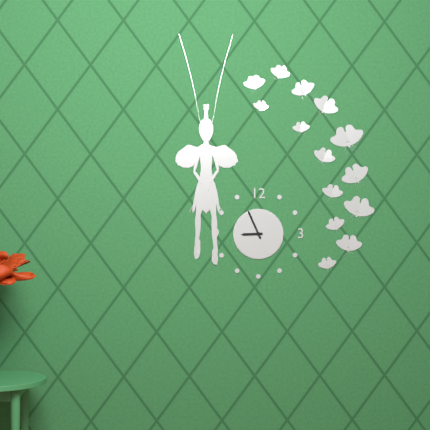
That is 8:56
